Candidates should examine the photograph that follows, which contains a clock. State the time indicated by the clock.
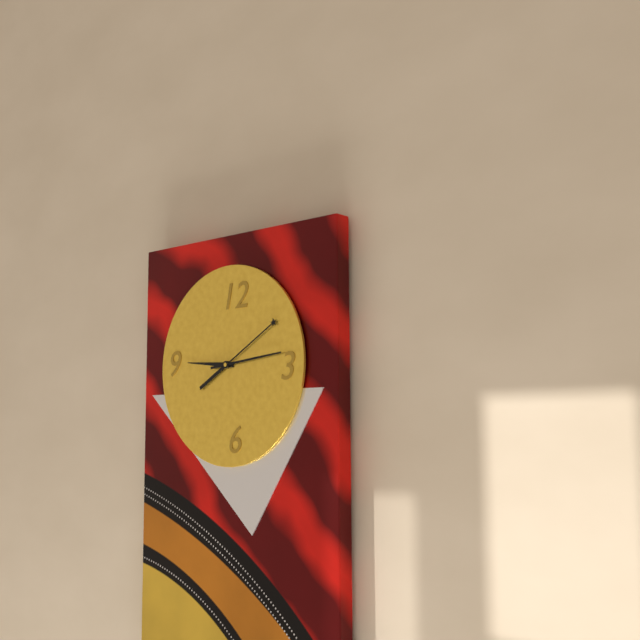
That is 9:10
